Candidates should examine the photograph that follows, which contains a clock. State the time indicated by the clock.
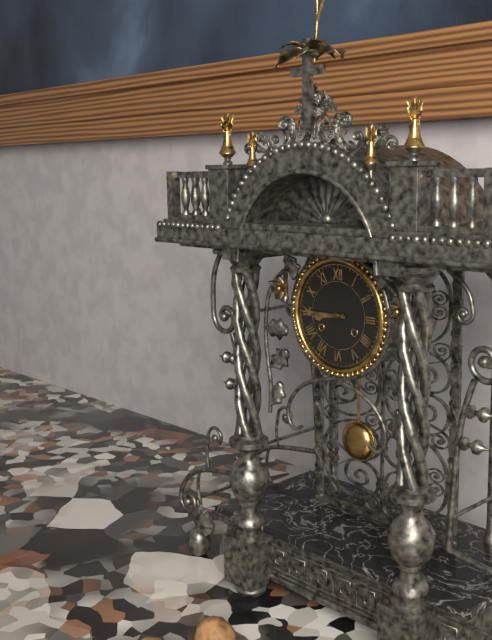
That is 8:45
